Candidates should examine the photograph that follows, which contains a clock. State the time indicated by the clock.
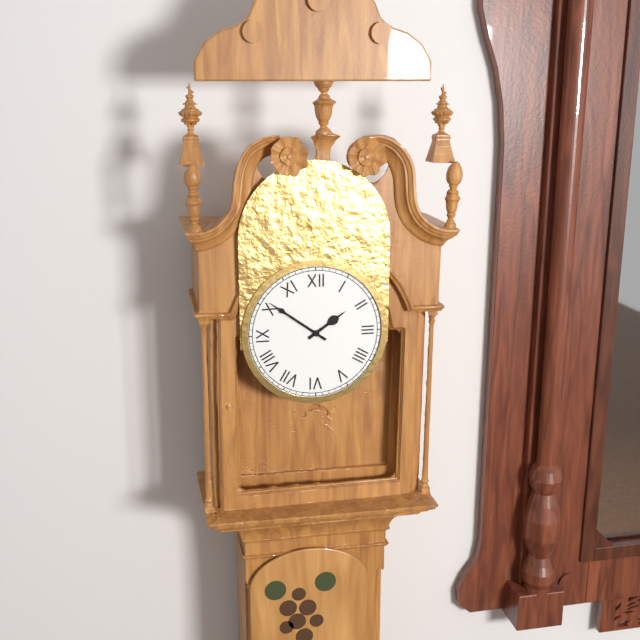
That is 1:51
